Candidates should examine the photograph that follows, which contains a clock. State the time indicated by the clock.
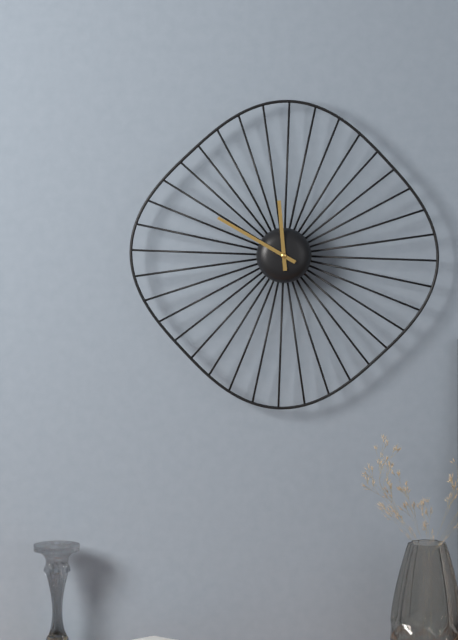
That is 11:50
